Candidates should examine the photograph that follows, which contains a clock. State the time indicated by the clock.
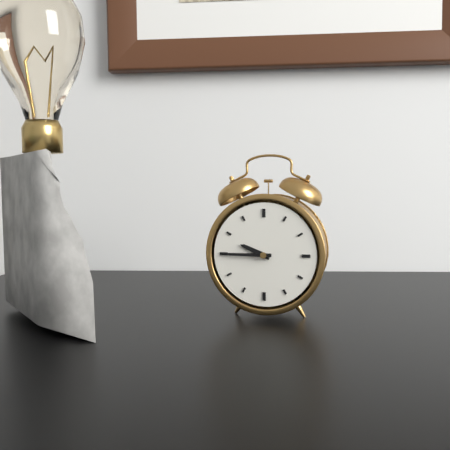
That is 9:45
